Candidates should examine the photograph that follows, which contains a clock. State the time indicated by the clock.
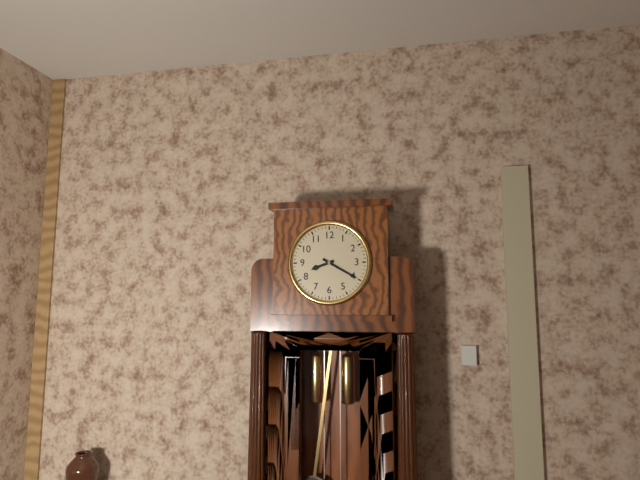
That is 8:20
